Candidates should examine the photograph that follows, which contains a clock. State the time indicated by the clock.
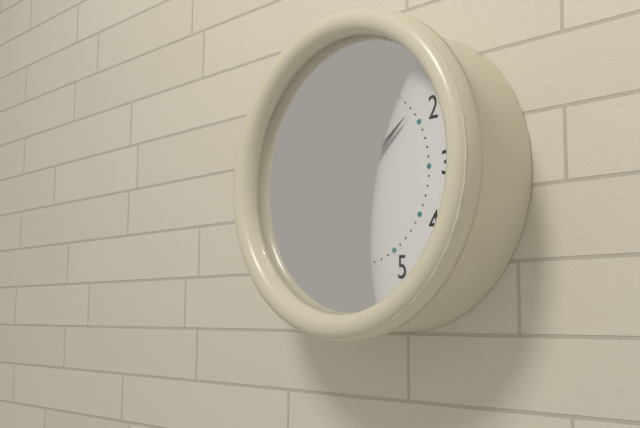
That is 1:41
